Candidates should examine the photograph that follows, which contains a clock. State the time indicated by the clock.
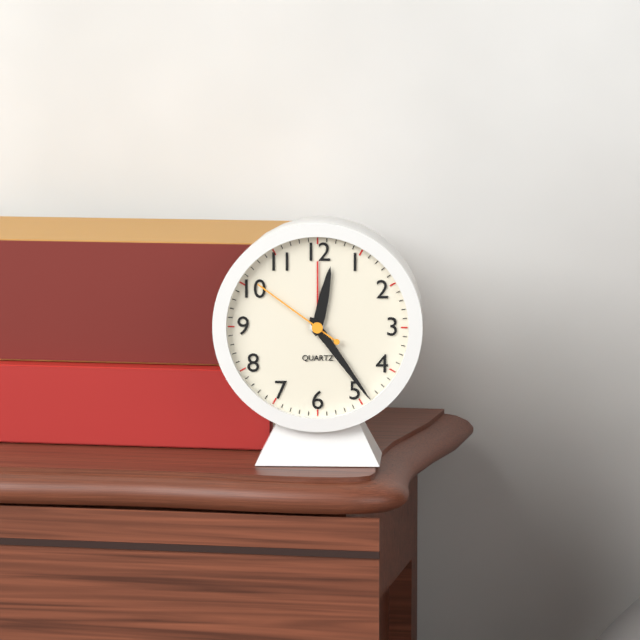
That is 12:24:51
